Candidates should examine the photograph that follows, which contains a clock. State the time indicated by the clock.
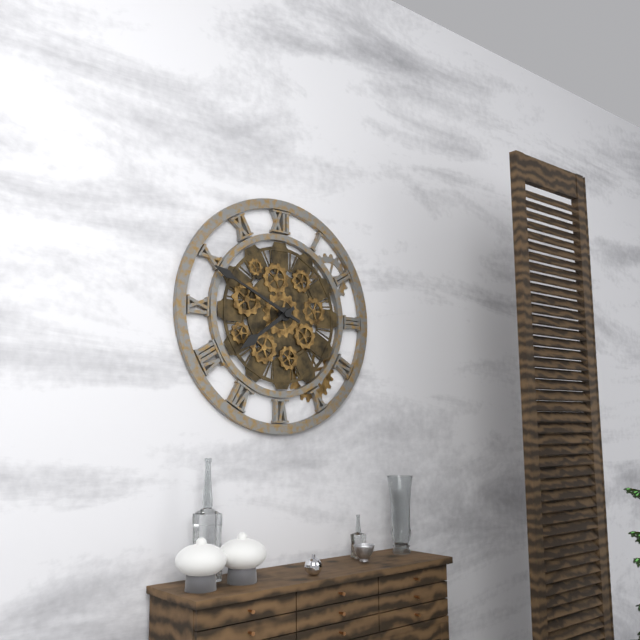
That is 7:49
